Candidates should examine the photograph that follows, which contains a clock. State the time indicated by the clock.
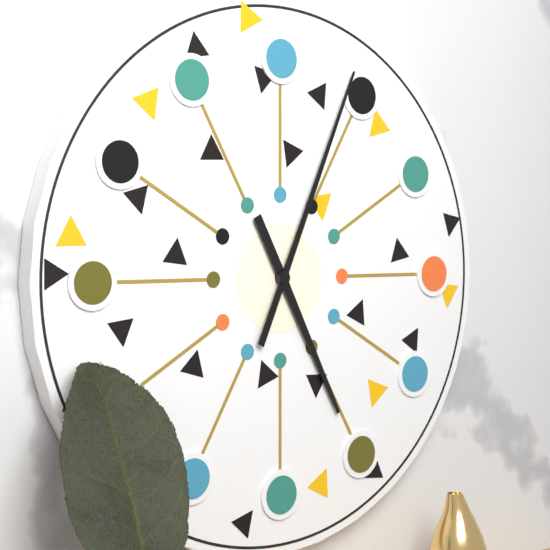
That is 5:04
